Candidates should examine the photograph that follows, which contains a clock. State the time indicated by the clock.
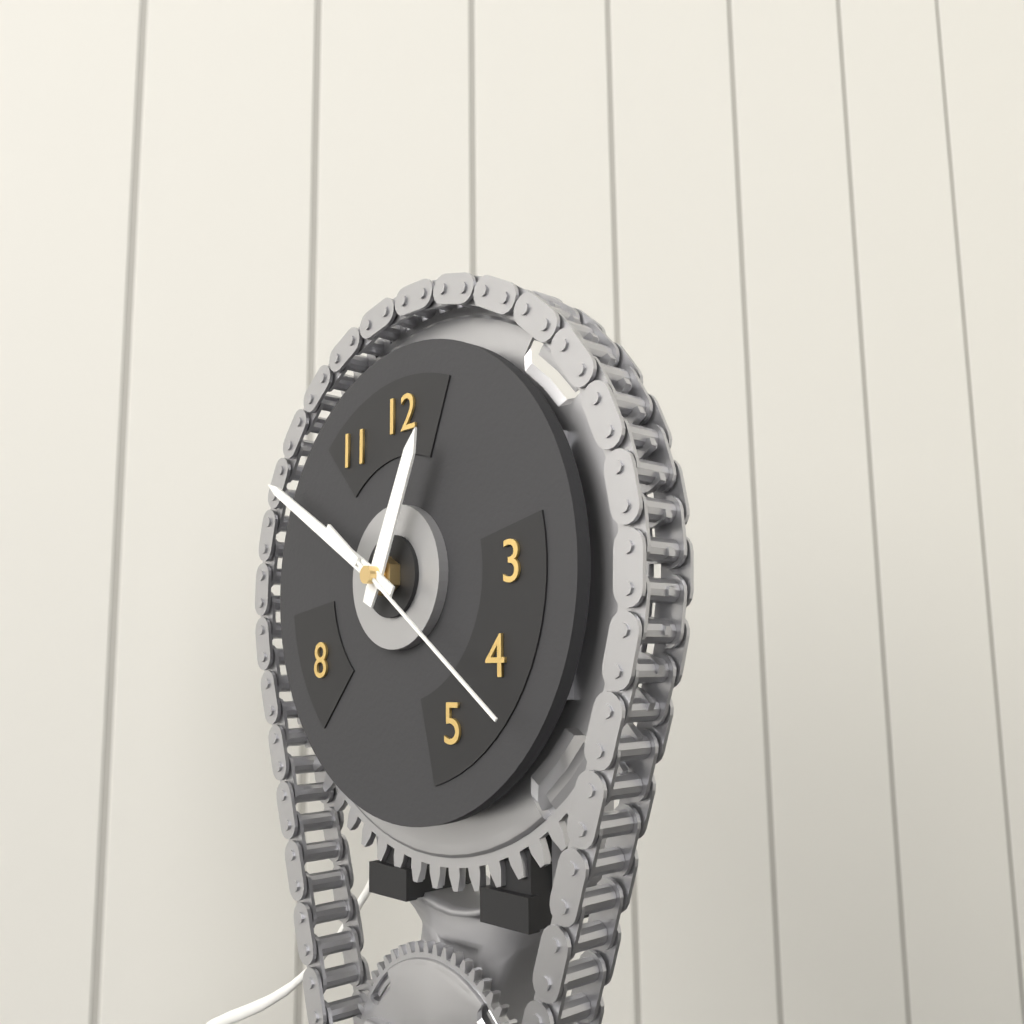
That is 12:50:21
